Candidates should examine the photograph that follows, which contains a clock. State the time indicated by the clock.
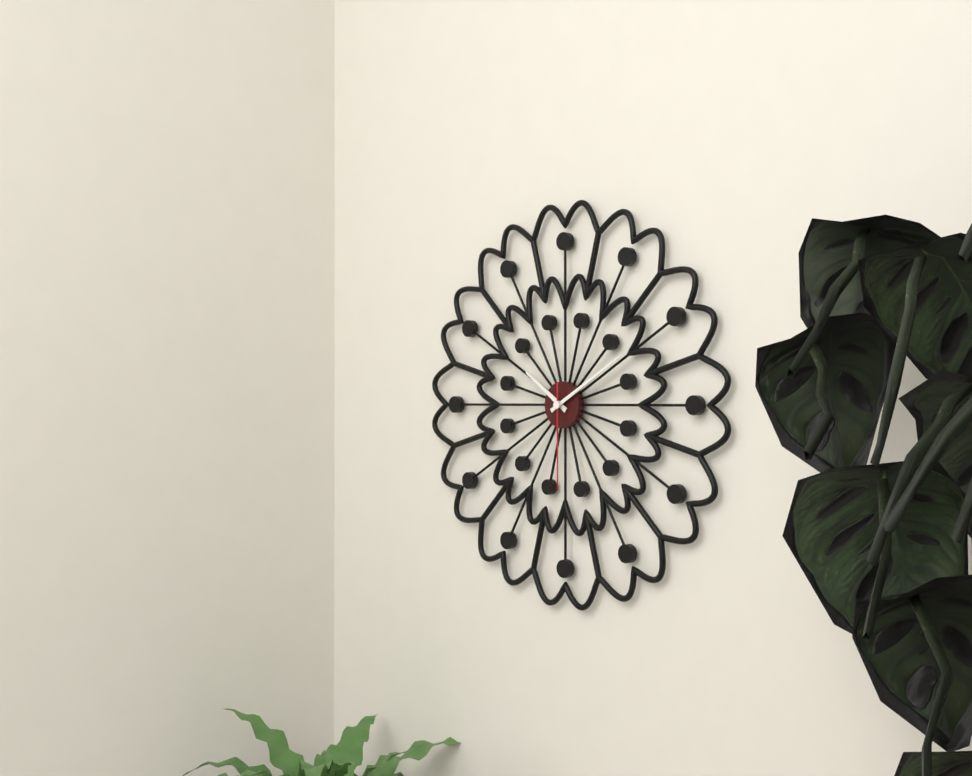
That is 10:10:30
